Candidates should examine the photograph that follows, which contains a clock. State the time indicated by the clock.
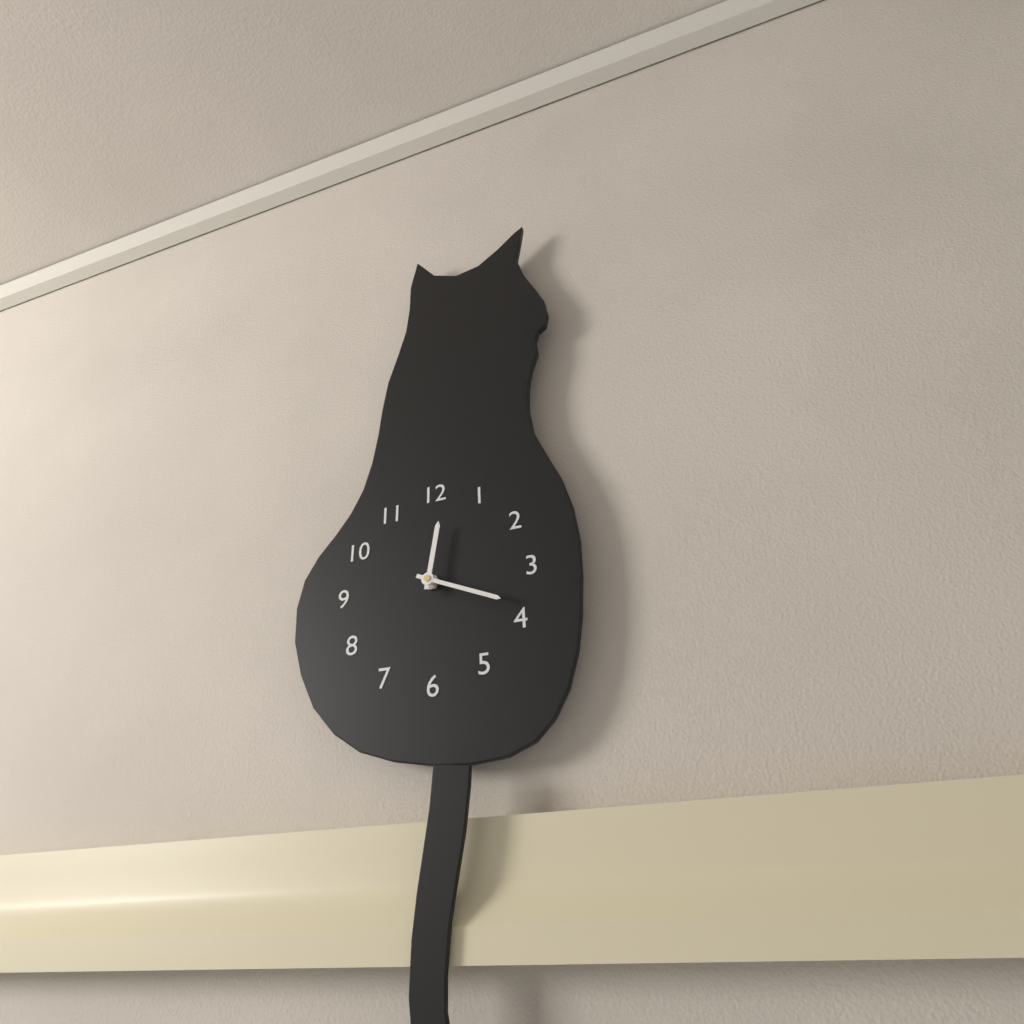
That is 12:19
